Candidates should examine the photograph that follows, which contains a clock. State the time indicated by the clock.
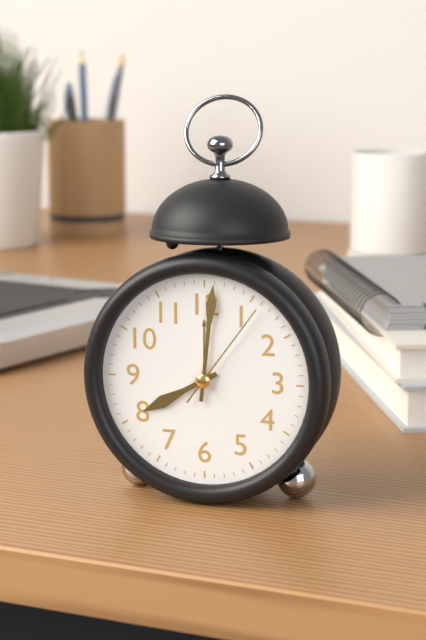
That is 8:01:06
